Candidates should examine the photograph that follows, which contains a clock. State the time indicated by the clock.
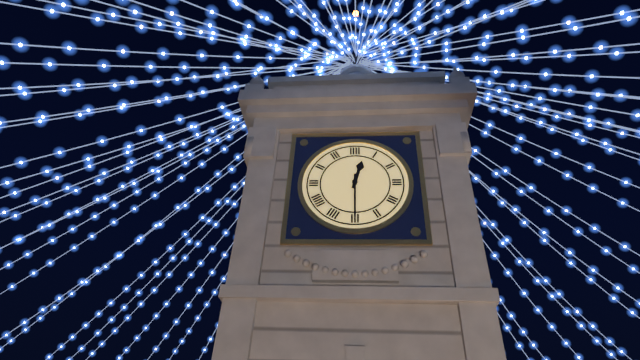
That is 12:30
